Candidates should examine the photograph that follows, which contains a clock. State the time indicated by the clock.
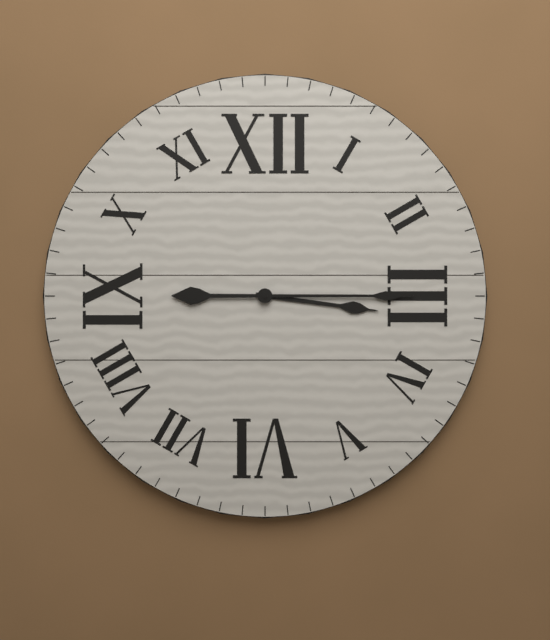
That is 3:15
